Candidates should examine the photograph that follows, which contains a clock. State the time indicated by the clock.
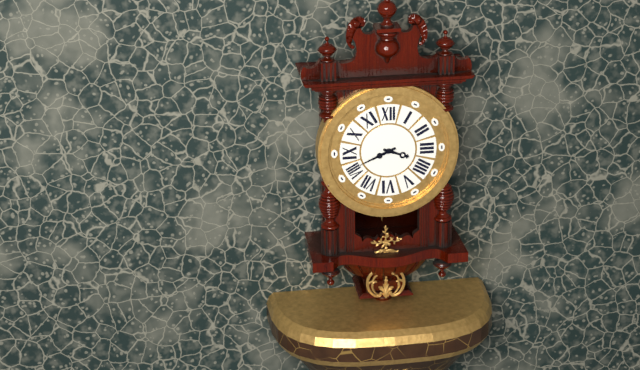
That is 3:41
